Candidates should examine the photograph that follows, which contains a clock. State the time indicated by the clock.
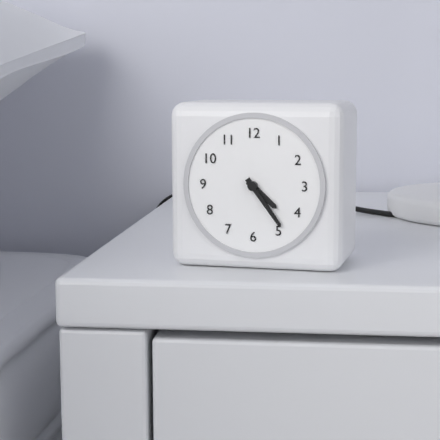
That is 4:24
